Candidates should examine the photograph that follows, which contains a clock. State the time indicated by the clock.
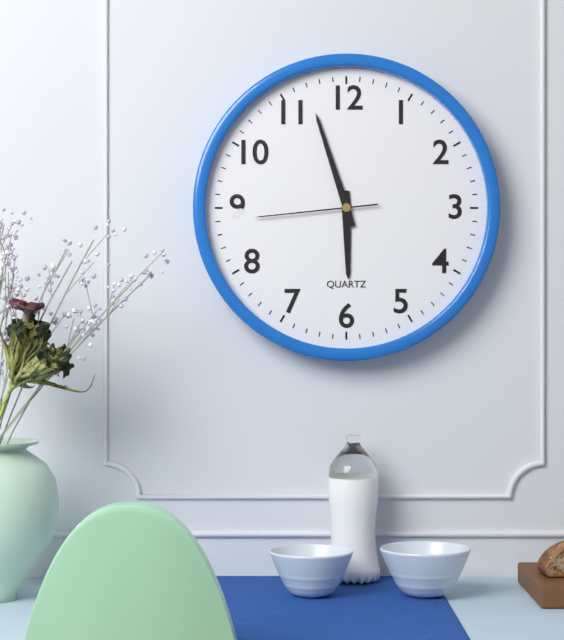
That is 5:57:44
